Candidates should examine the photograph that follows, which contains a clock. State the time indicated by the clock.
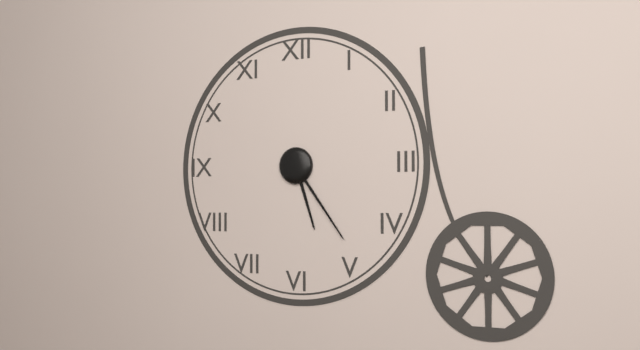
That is 5:24
